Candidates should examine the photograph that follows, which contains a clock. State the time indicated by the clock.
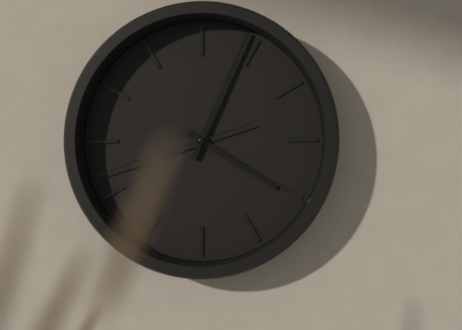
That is 4:04:42
